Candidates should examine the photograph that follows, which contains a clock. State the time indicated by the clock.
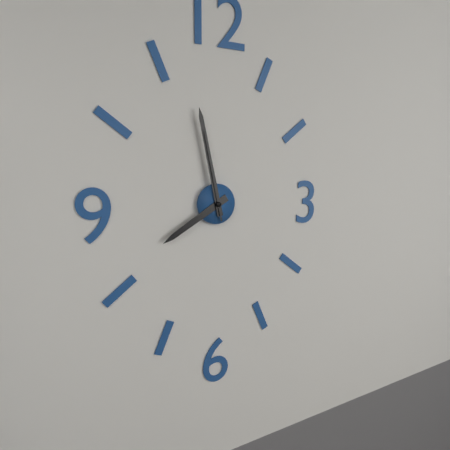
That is 7:58:58
